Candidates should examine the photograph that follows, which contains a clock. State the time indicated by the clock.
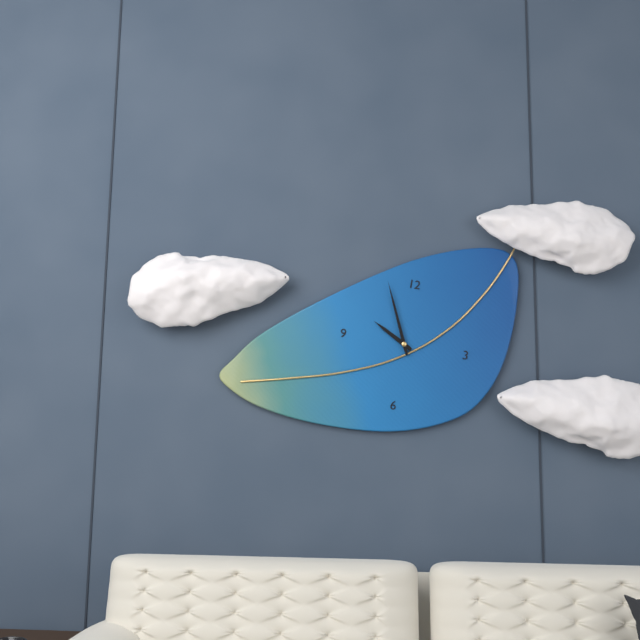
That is 9:56
